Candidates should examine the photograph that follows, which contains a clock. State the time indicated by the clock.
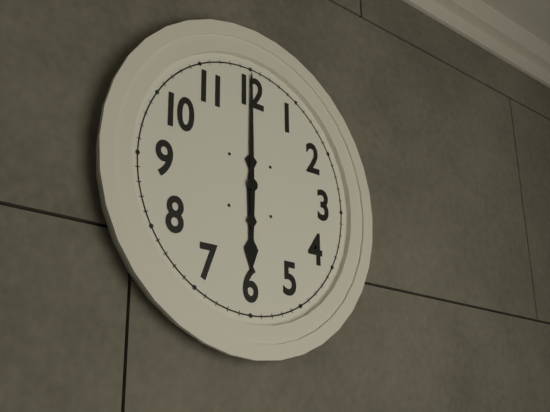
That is 6:00
